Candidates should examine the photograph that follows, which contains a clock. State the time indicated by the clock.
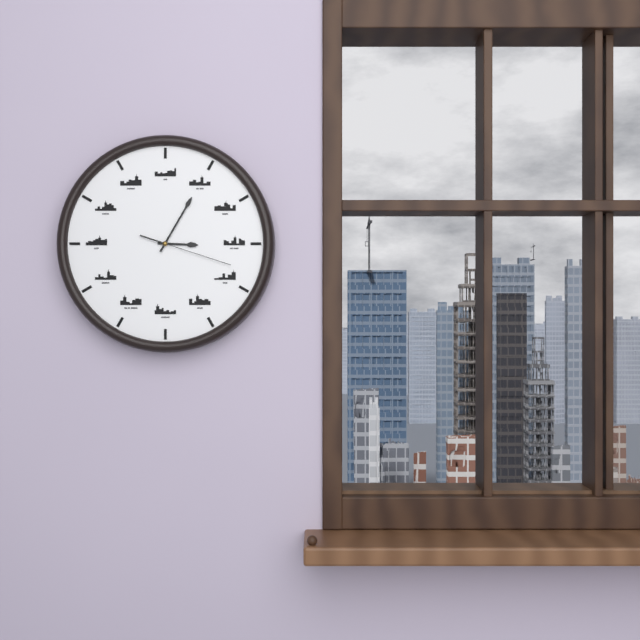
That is 3:05:18
